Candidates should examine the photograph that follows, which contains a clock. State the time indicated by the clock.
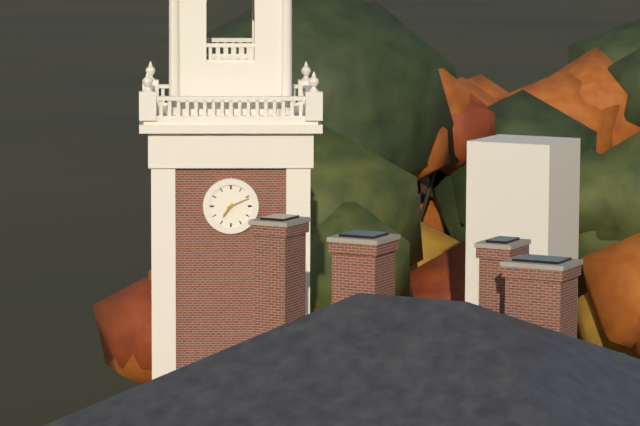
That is 7:11
